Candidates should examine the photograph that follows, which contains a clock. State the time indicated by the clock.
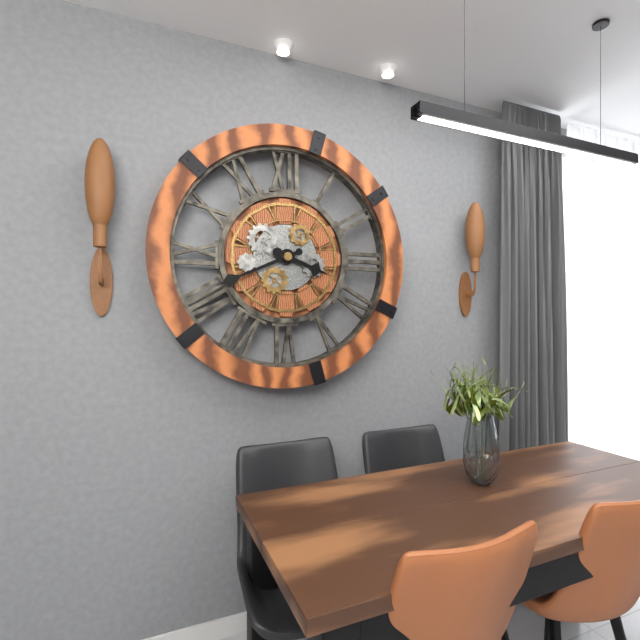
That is 3:41
